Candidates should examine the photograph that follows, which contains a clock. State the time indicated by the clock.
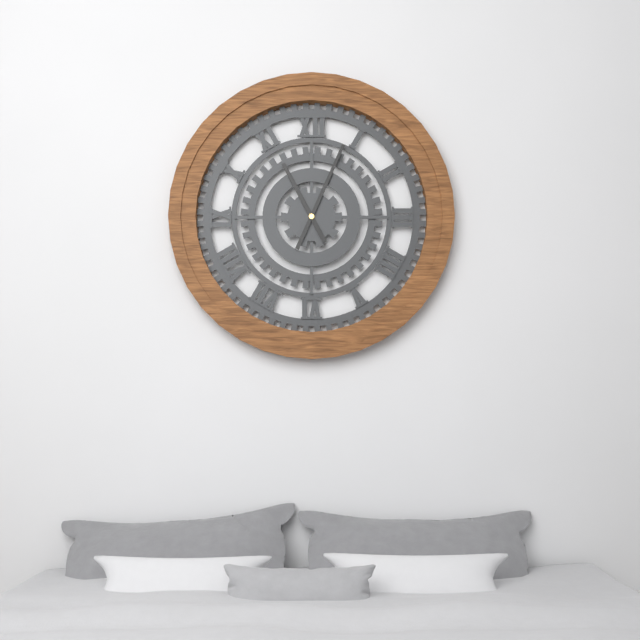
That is 11:04
